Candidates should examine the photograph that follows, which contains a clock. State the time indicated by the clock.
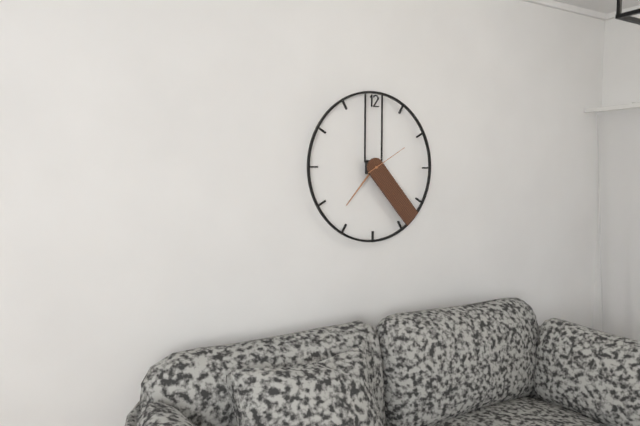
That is 7:23
